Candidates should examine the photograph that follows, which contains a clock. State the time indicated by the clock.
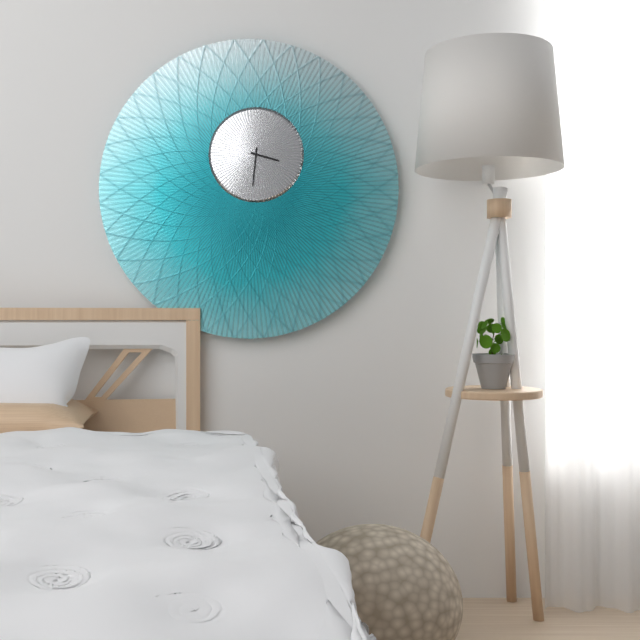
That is 3:31
